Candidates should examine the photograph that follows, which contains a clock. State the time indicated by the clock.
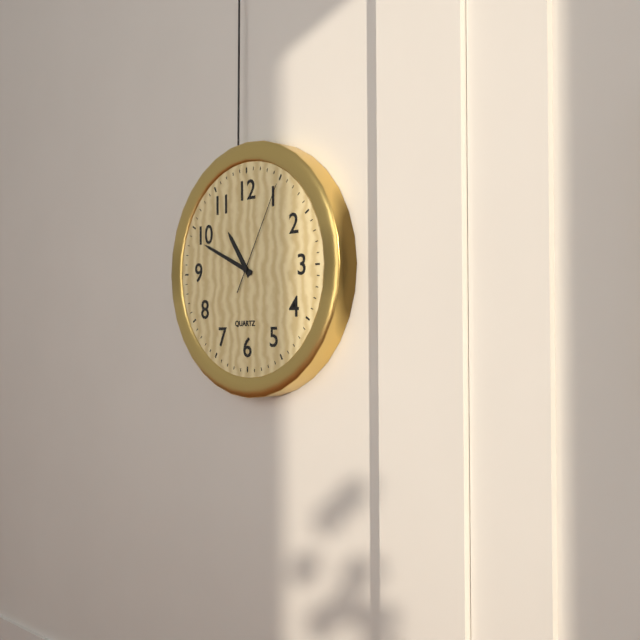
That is 10:49:05
